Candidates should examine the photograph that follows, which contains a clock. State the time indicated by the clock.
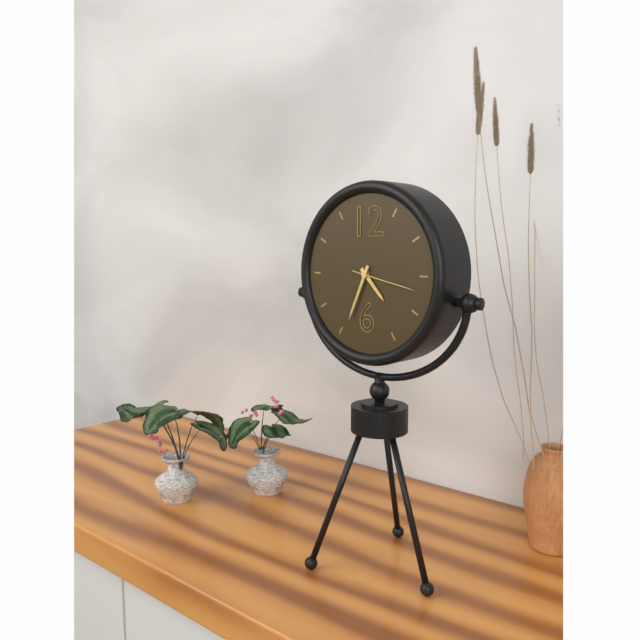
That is 4:34:17
